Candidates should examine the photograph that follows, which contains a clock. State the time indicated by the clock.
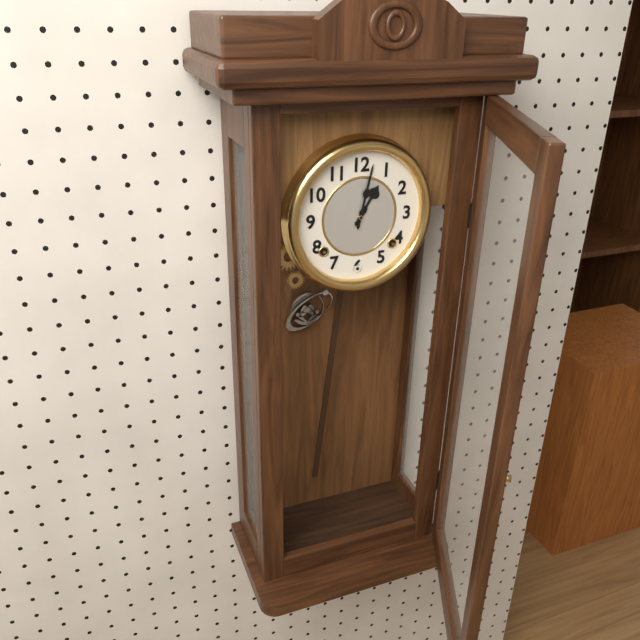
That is 1:02
